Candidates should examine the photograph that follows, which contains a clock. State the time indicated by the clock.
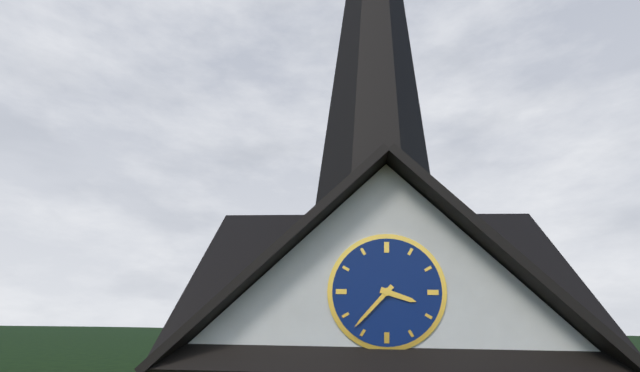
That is 3:37
